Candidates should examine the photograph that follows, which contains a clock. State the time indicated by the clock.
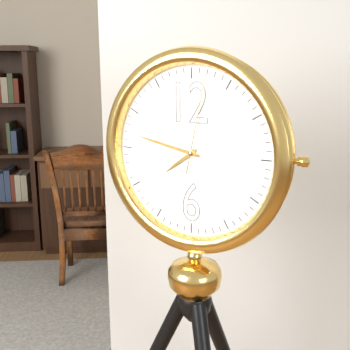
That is 7:47:02
